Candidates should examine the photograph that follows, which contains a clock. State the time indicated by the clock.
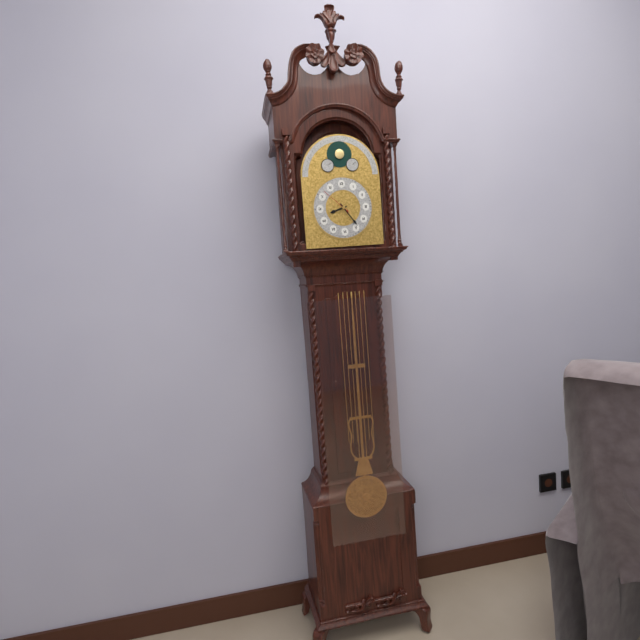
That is 8:24
